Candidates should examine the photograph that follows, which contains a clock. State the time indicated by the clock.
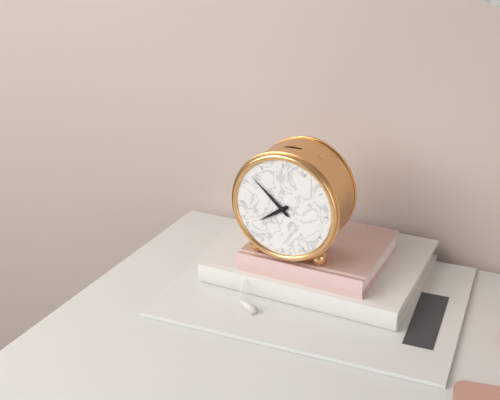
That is 7:52
